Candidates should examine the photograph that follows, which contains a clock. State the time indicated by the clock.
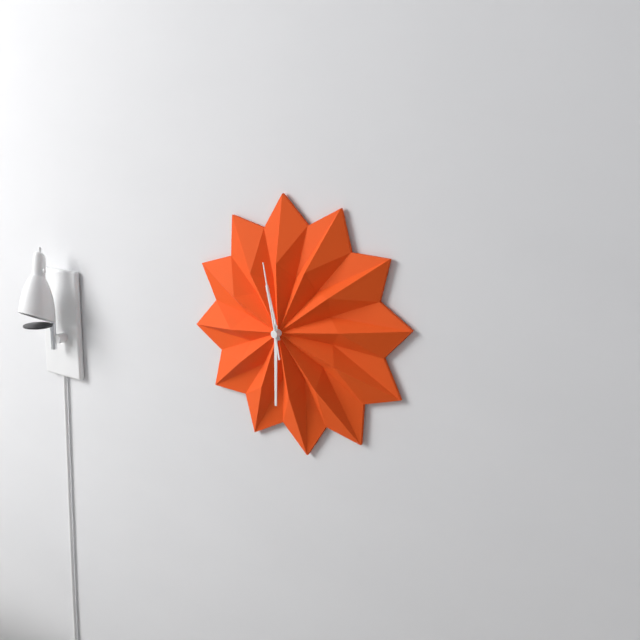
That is 11:30:58
